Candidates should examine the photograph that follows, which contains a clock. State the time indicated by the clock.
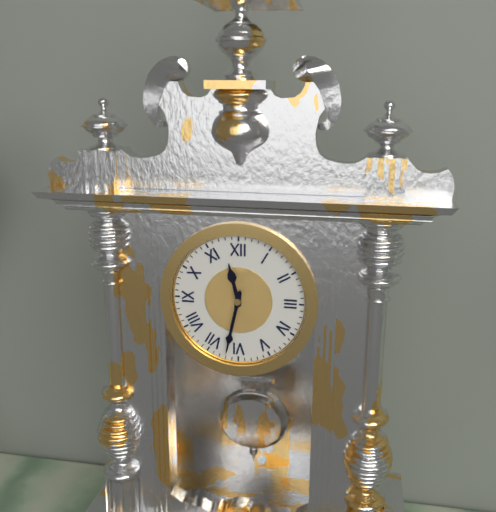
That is 11:32
